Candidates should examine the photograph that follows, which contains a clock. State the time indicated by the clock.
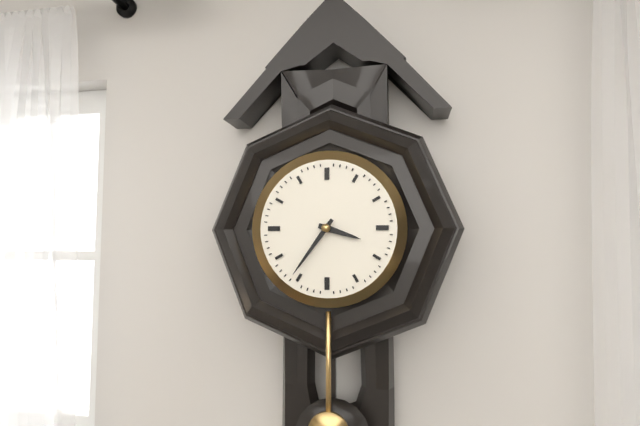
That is 3:36
